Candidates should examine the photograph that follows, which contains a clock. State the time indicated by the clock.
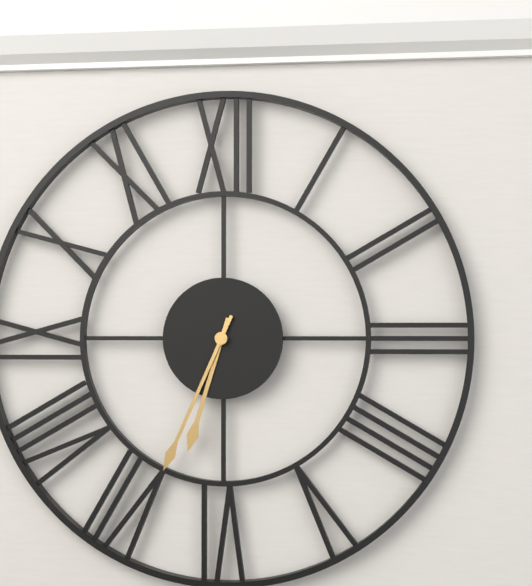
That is 6:34
